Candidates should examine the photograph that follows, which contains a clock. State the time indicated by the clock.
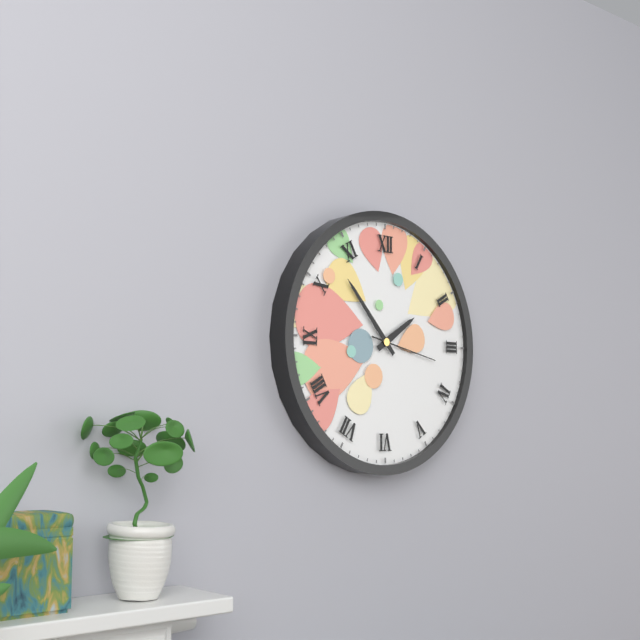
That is 1:53:17
